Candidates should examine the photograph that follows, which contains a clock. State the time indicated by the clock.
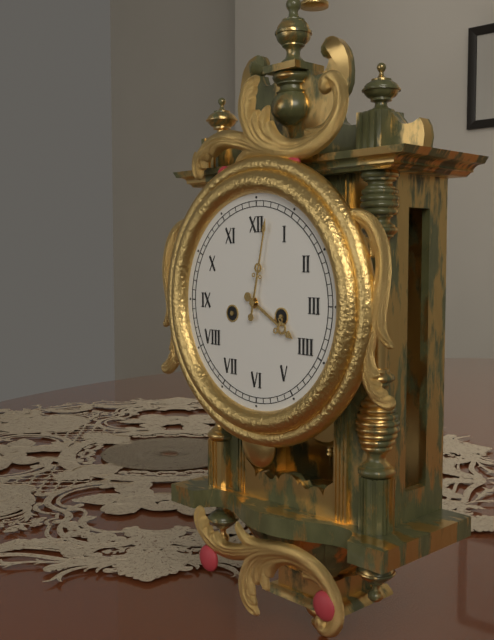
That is 4:02
